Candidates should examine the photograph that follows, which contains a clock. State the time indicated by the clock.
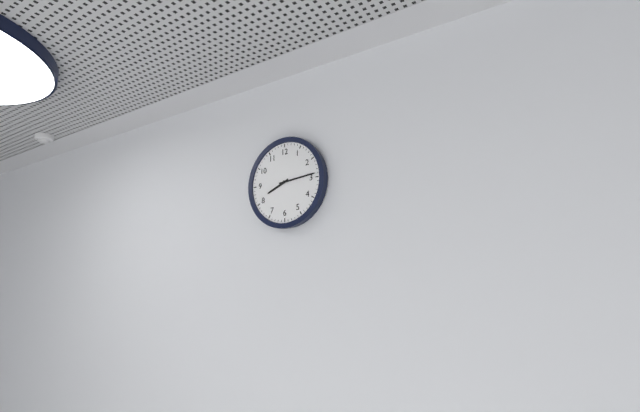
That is 8:14
